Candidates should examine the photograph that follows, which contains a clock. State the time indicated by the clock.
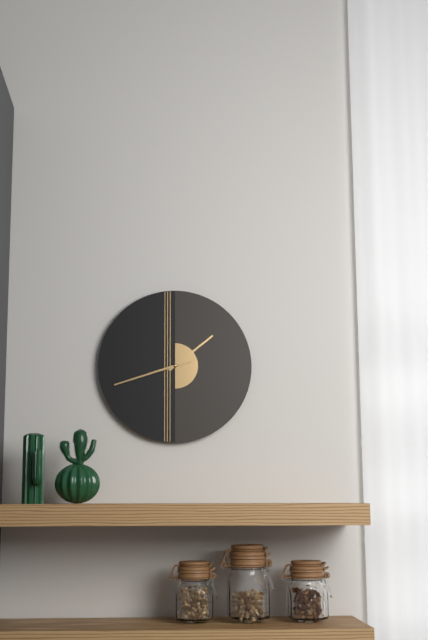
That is 1:42
